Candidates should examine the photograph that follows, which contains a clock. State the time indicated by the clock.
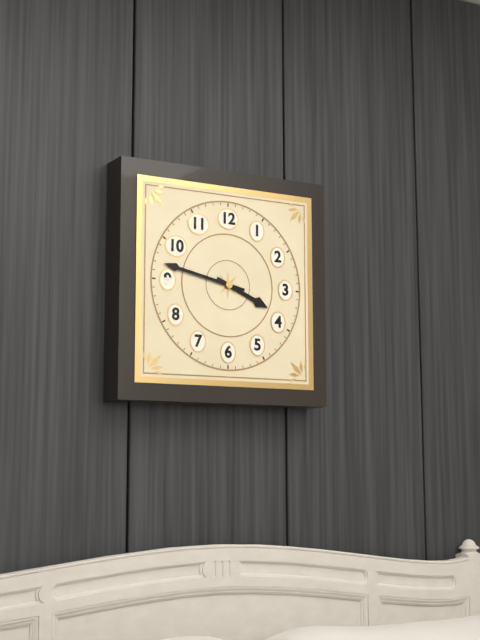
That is 3:47
